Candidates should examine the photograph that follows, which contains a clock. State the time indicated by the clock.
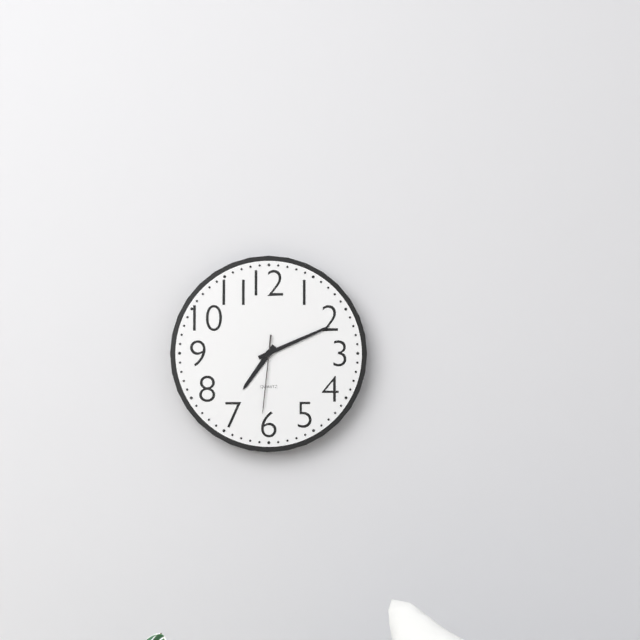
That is 7:11:31
